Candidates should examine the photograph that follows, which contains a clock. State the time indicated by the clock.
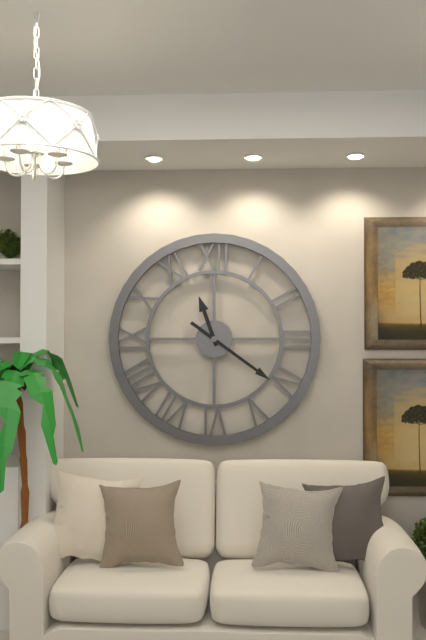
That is 11:21
